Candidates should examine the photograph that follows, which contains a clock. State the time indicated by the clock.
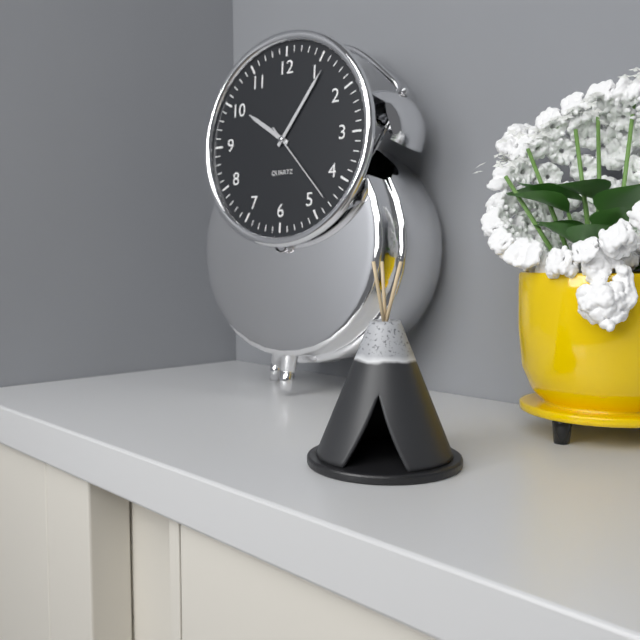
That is 10:06:23
